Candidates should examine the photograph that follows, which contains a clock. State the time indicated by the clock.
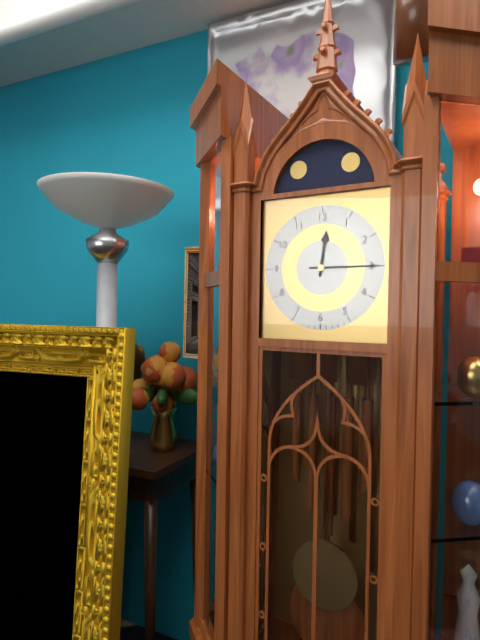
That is 12:15
